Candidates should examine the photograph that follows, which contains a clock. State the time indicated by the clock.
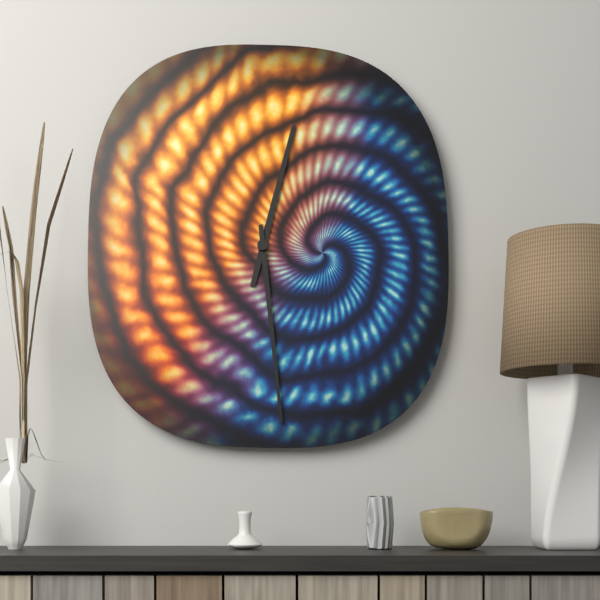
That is 12:29
